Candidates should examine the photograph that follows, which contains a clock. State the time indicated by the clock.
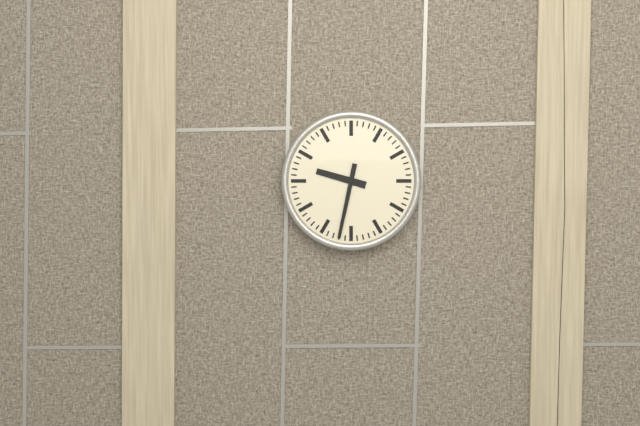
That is 9:32
